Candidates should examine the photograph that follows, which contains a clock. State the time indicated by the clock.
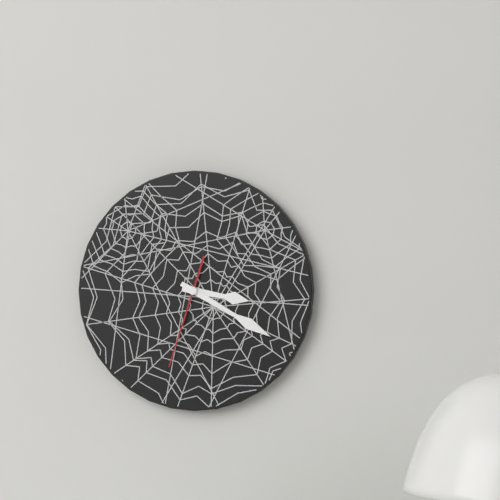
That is 3:20:33
